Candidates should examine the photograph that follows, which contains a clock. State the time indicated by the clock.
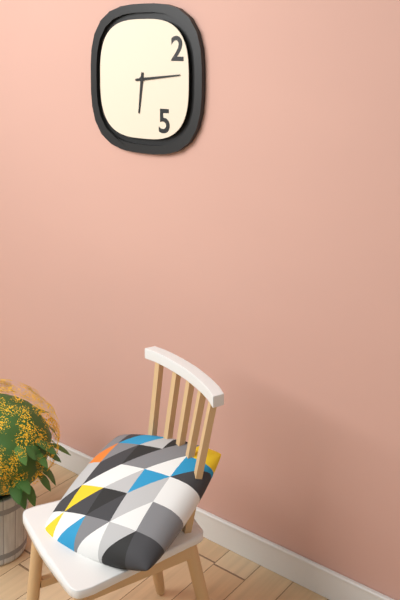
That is 6:14
